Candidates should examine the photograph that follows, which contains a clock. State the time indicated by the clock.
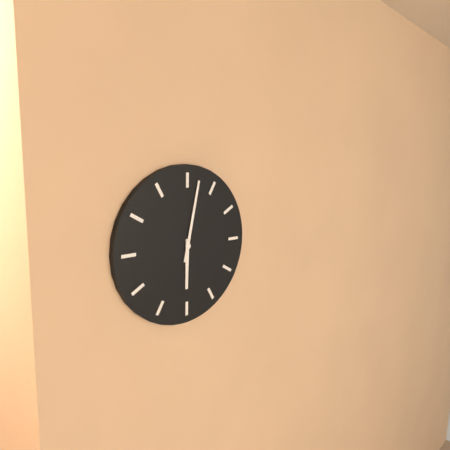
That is 6:02
